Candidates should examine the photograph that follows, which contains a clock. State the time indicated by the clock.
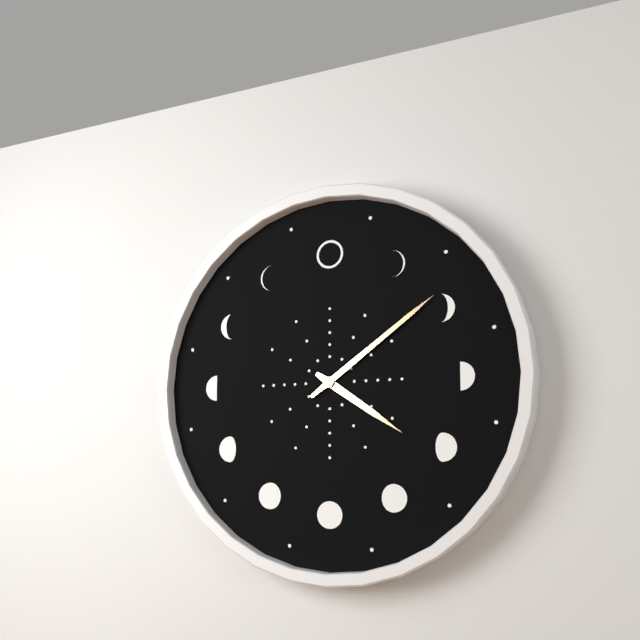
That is 4:09
